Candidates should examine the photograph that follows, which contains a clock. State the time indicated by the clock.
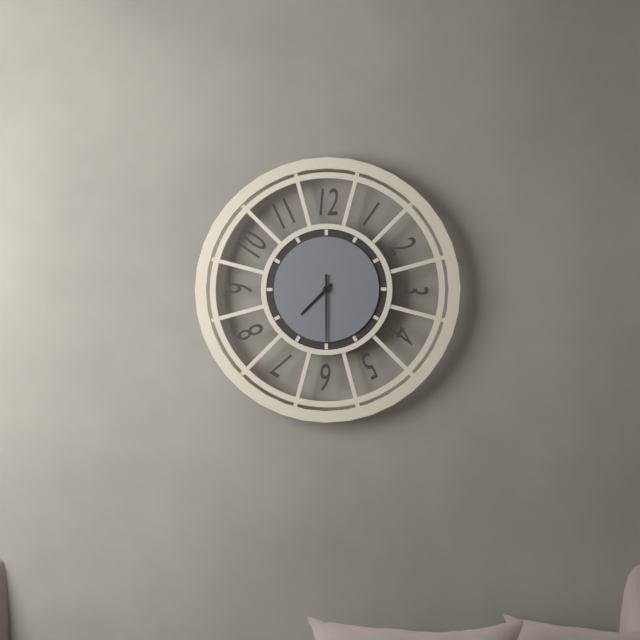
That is 7:30
